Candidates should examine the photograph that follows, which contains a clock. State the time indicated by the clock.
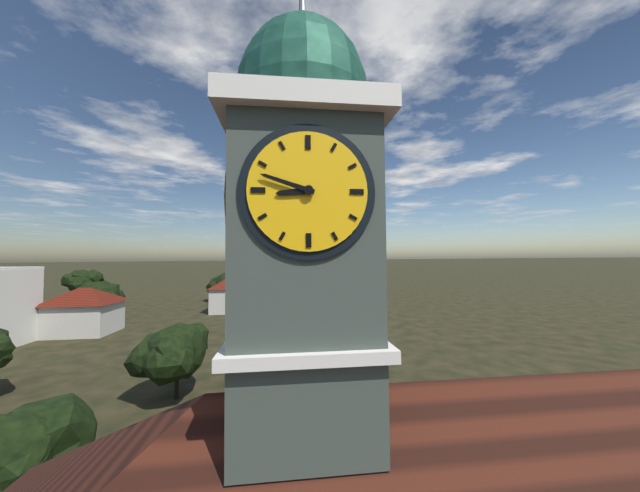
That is 8:48
